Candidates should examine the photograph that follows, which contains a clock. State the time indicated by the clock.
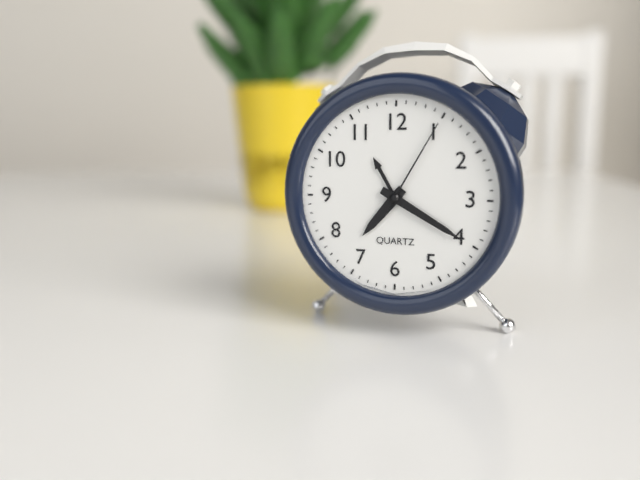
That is 7:20:05
